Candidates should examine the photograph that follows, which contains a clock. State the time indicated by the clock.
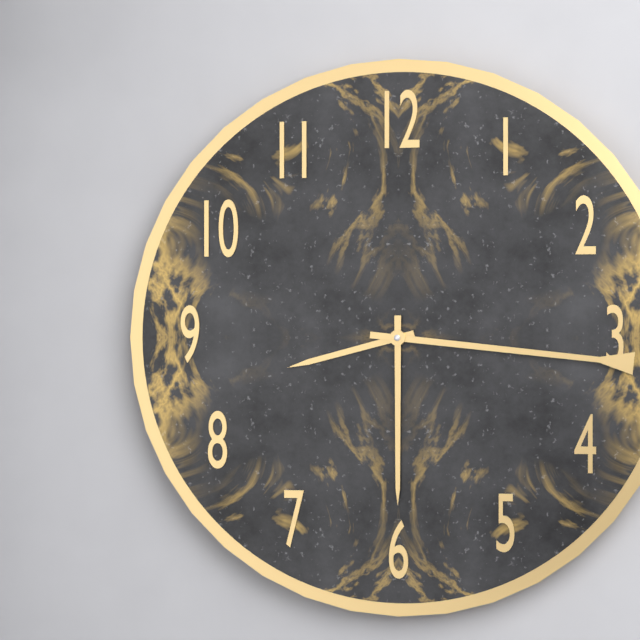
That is 8:30:16
